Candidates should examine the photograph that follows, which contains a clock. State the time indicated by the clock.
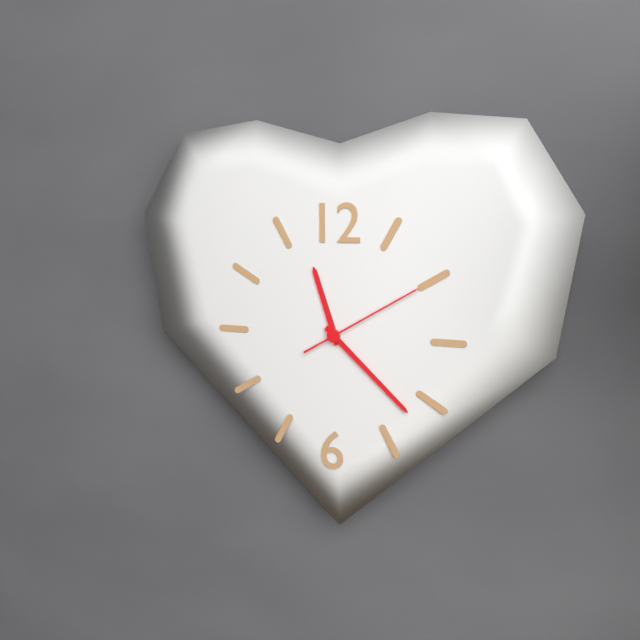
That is 11:22:10
